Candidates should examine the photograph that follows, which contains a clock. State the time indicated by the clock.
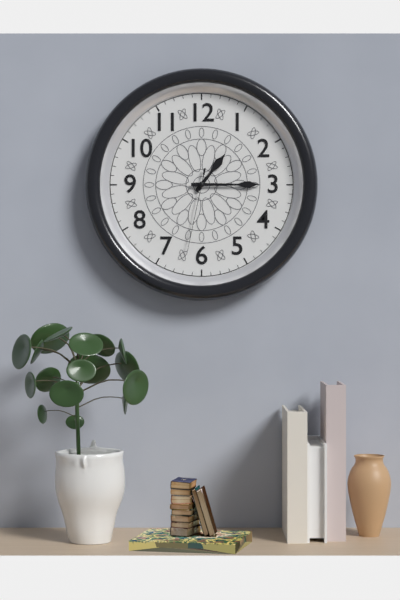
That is 1:15:32
